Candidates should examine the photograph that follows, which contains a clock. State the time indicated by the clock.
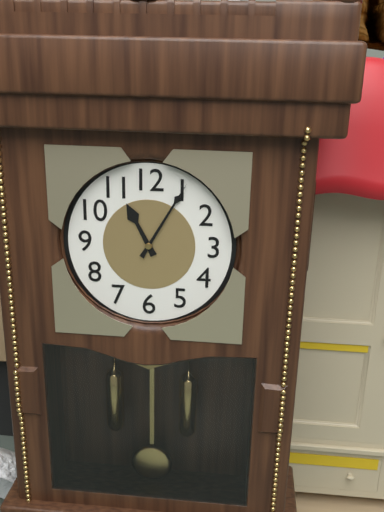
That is 11:05
